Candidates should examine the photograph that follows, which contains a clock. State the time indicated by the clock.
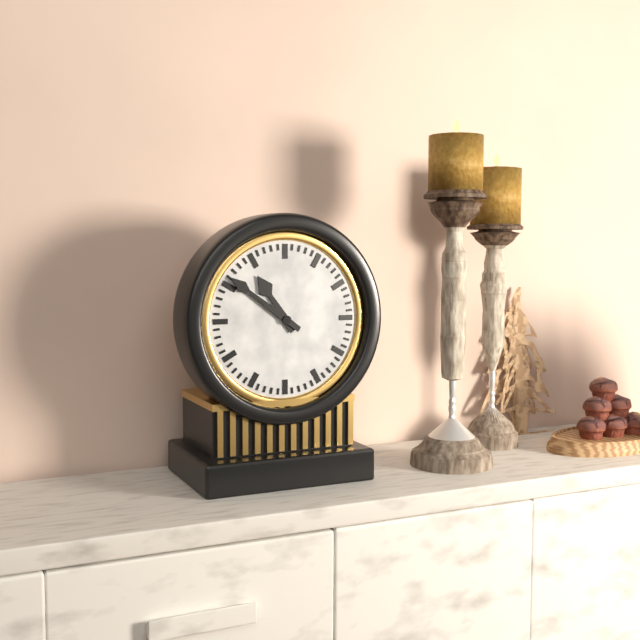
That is 10:51
